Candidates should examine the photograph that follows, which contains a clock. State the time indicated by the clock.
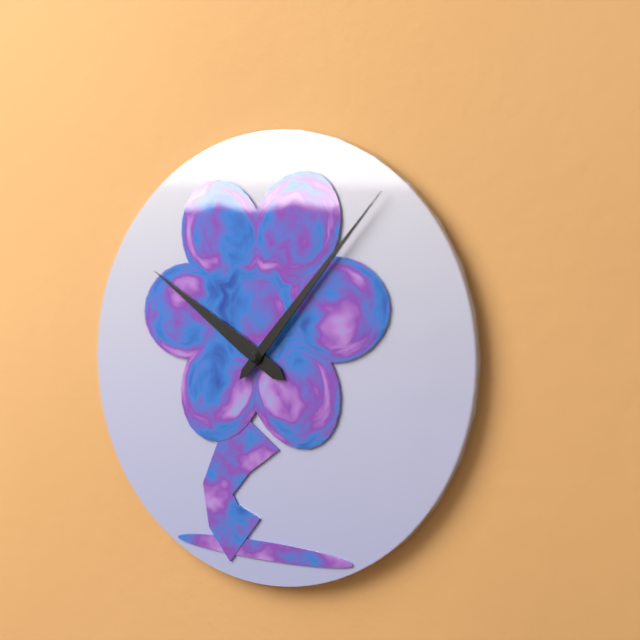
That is 10:07
